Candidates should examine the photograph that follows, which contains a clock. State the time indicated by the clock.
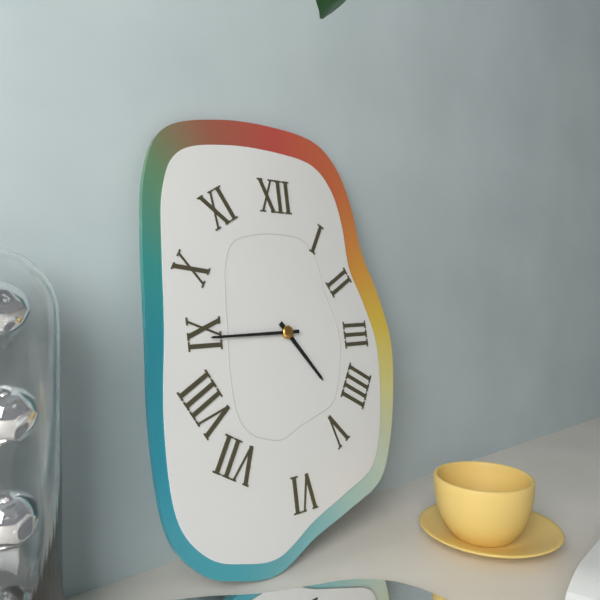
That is 4:45
